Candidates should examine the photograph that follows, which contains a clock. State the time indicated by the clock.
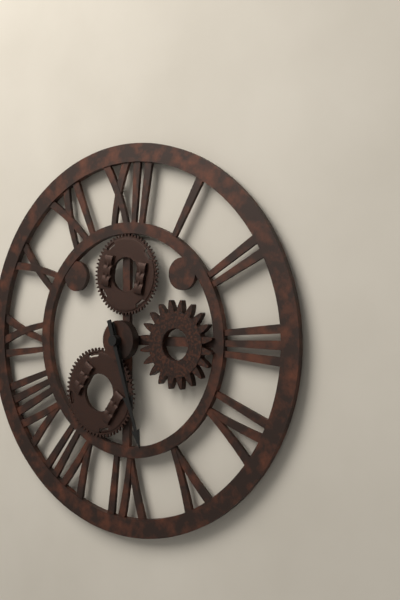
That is 5:27
